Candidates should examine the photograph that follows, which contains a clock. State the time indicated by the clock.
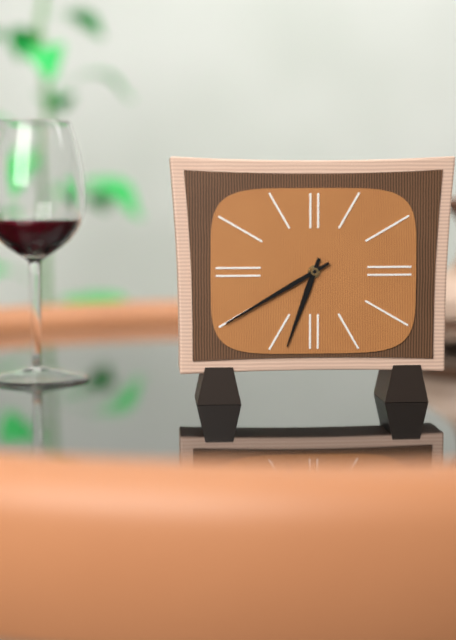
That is 6:40
